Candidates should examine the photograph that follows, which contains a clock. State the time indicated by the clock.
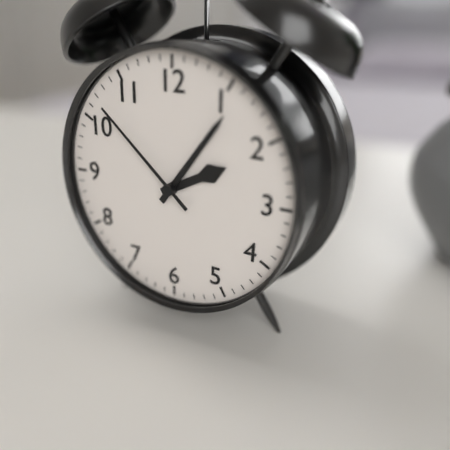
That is 2:06:52
